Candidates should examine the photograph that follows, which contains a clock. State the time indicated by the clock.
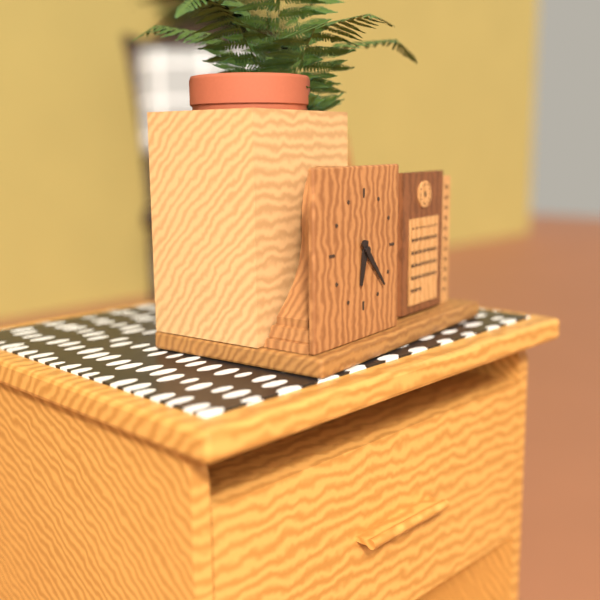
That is 6:23
